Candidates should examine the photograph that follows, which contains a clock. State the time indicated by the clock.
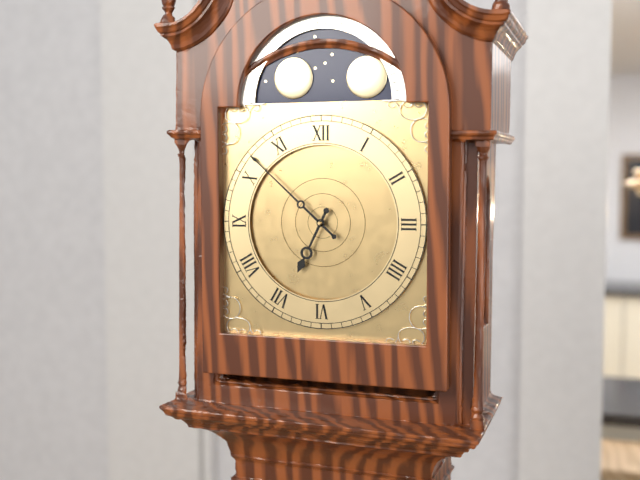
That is 6:52
